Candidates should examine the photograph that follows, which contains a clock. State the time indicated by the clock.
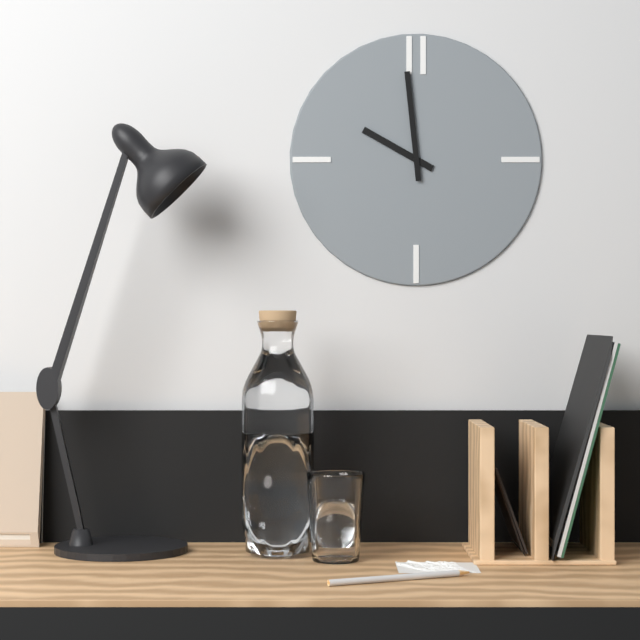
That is 9:59
